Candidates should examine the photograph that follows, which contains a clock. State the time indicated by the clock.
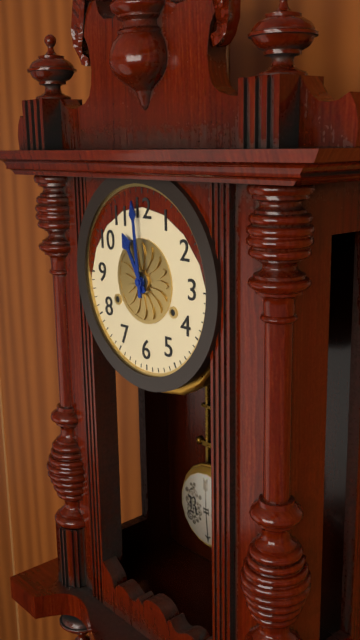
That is 10:59
